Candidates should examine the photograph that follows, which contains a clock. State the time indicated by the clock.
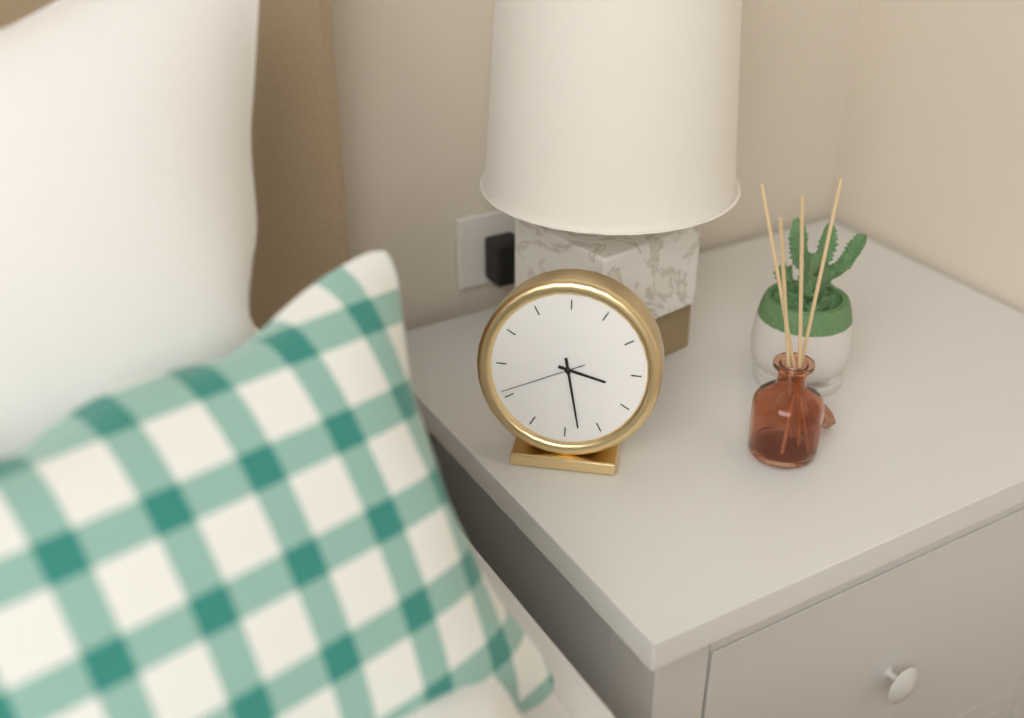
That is 3:28:41
